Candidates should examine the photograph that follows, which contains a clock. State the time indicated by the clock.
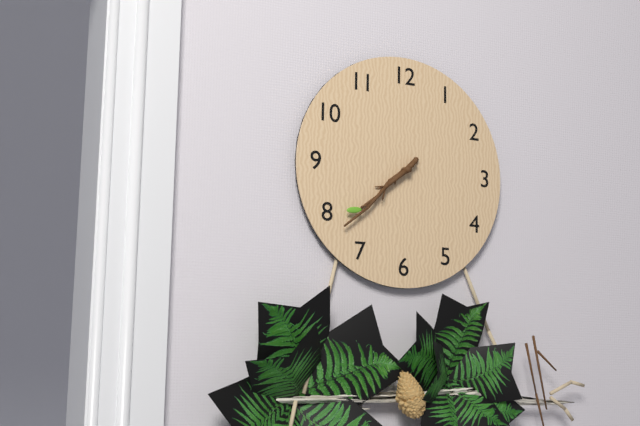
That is 7:38
